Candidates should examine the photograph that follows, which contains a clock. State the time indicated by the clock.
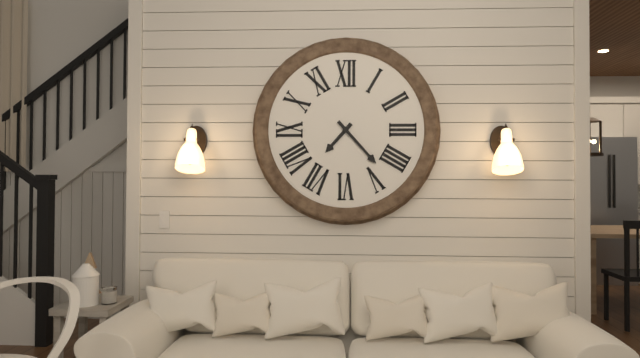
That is 7:23
